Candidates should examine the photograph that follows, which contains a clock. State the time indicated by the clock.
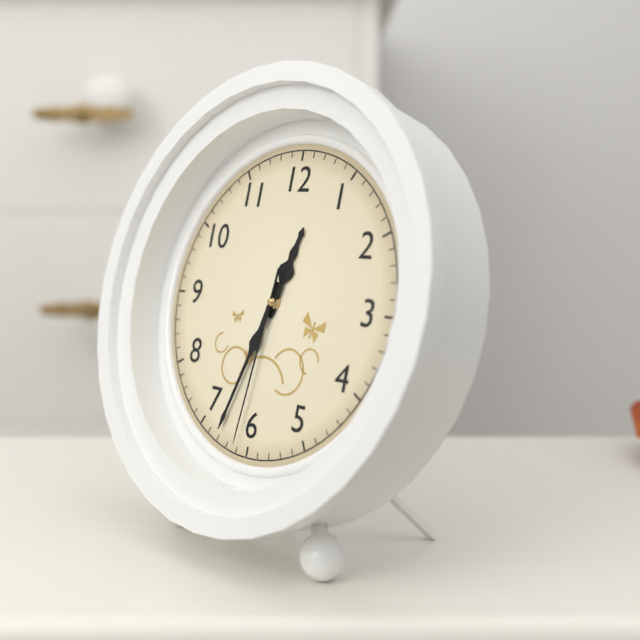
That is 12:33:31
